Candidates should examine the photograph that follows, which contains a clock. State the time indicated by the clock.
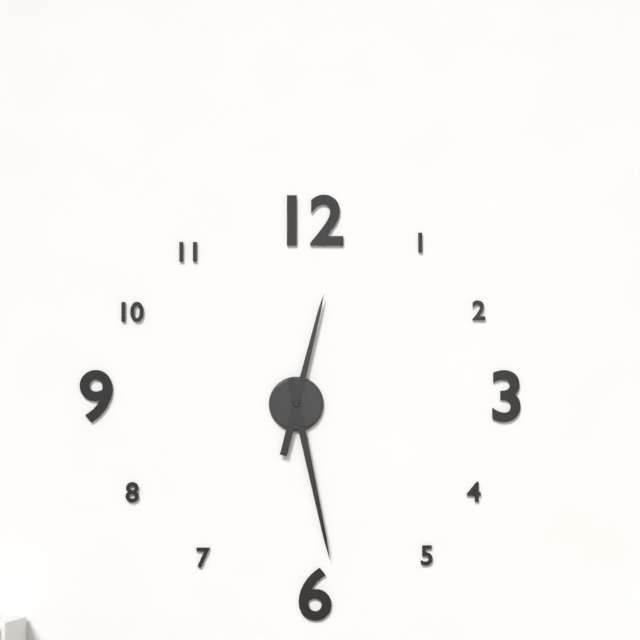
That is 12:28
